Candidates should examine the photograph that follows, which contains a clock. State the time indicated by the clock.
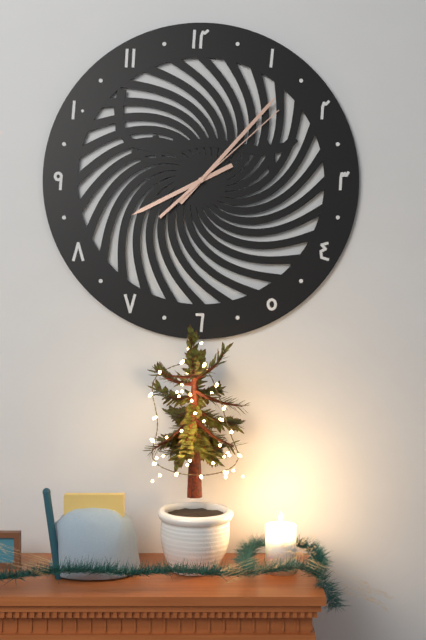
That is 8:07:08
